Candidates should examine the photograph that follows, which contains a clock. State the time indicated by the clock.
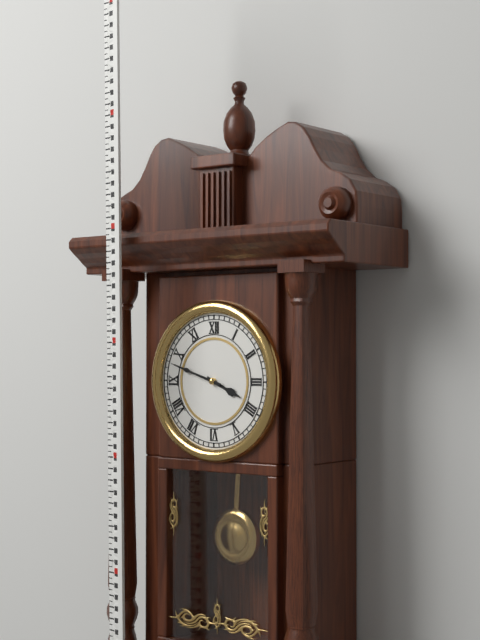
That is 3:48
